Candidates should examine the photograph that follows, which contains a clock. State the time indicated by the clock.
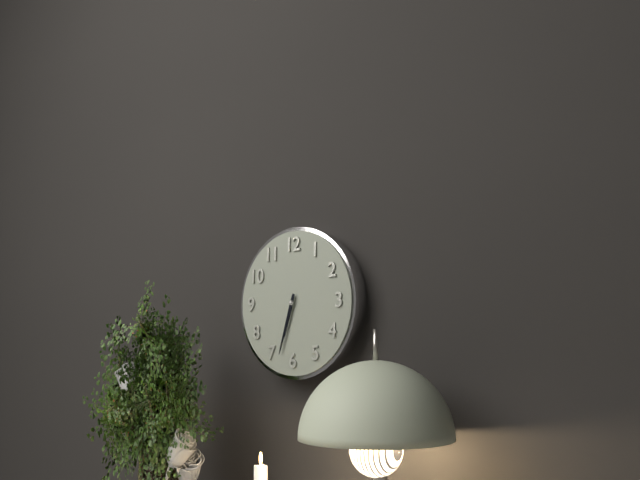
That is 6:33
